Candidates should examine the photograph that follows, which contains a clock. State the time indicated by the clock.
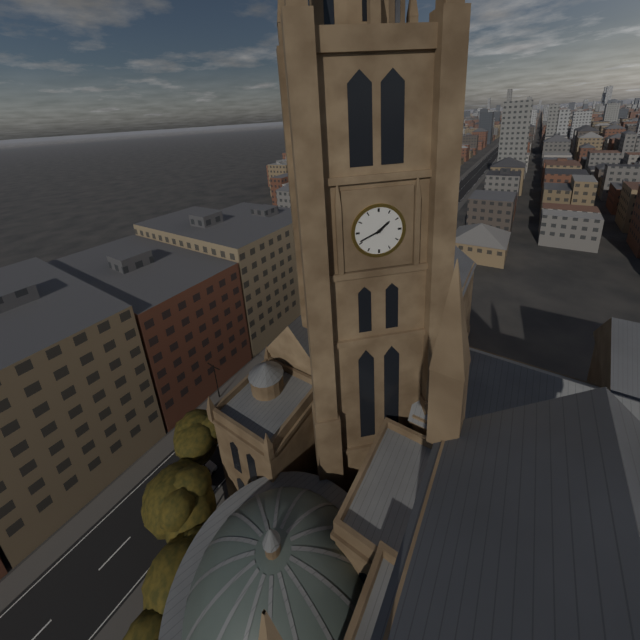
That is 1:41
